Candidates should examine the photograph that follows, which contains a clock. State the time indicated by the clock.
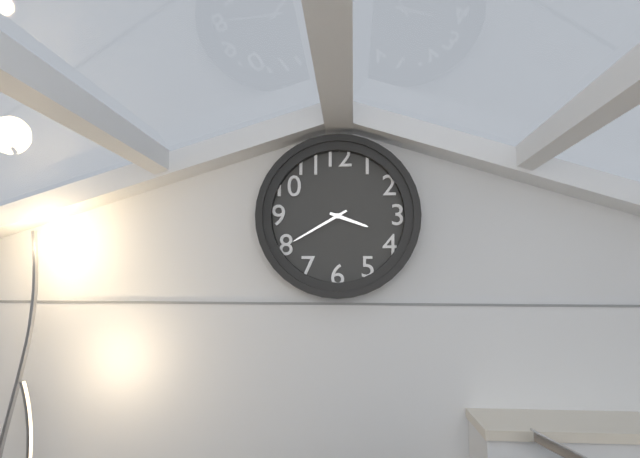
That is 3:40
